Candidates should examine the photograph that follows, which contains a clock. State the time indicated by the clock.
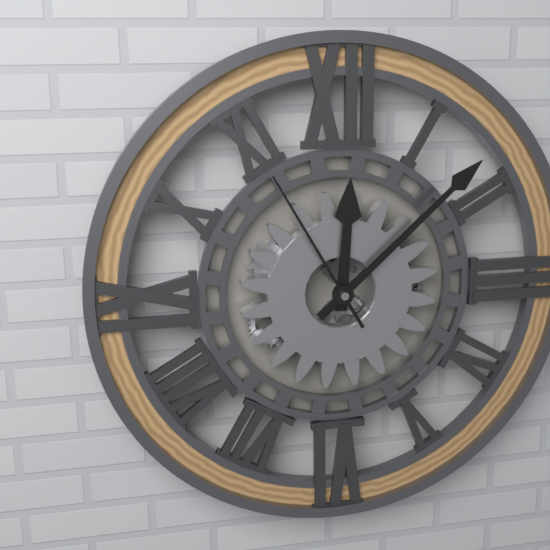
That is 12:08:55
